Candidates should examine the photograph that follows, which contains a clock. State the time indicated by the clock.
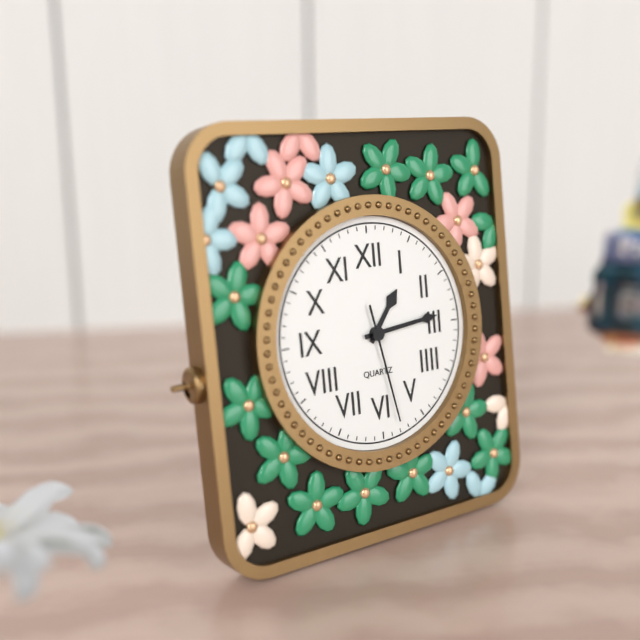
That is 1:14:28
